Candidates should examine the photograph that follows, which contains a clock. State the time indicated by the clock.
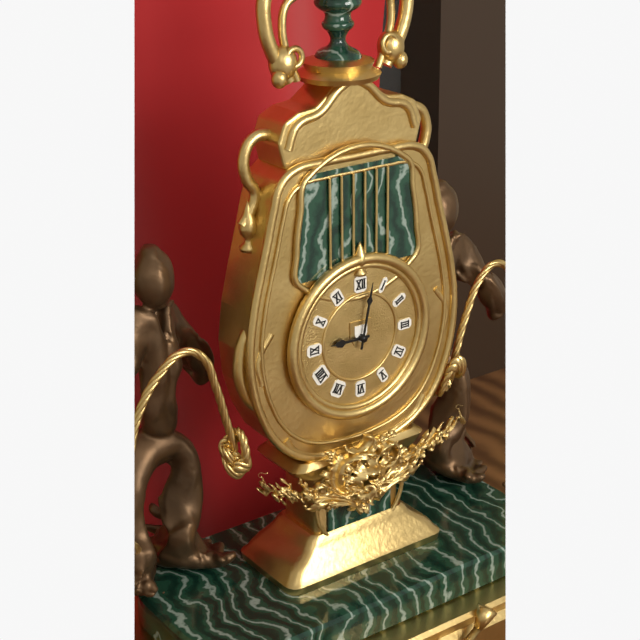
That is 9:02
